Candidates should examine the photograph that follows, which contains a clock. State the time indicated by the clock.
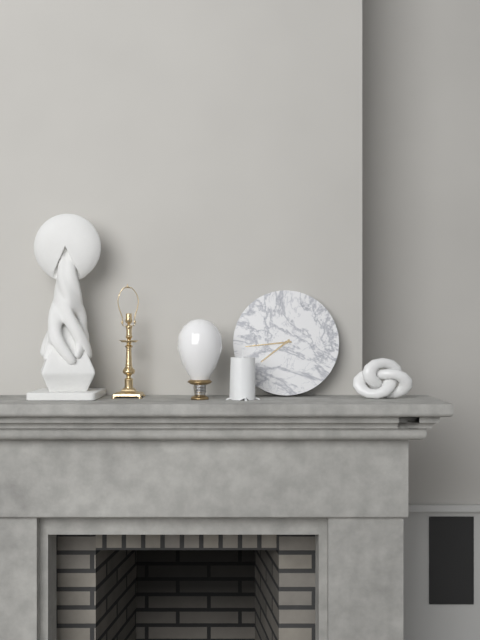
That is 7:44
